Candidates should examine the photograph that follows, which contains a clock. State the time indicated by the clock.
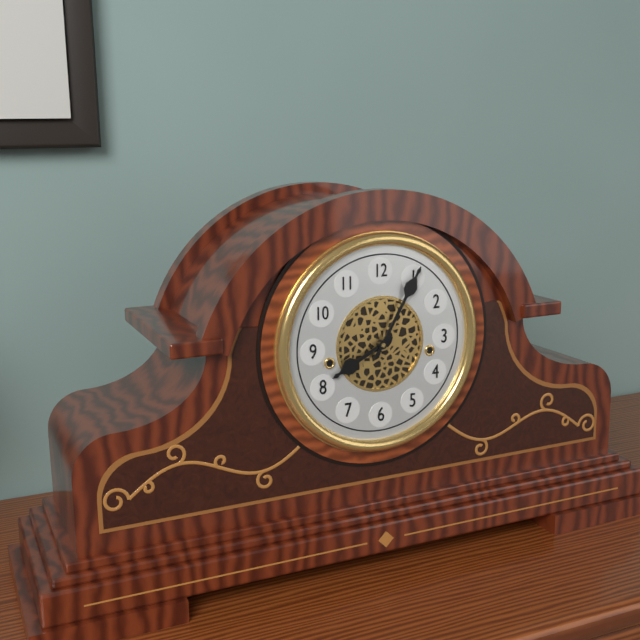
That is 8:05
